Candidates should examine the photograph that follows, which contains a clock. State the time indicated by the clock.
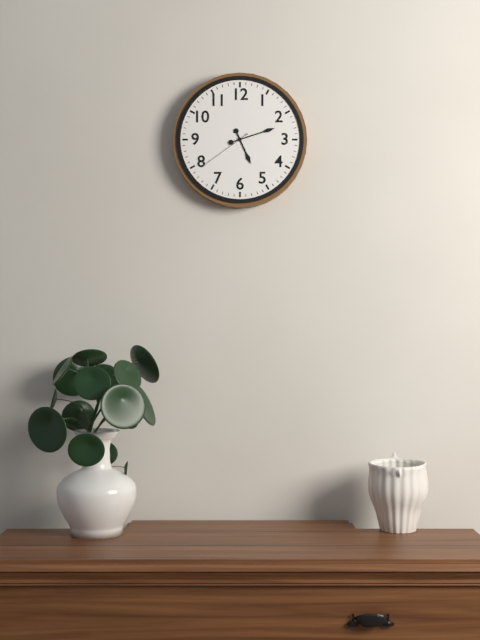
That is 5:12:39
